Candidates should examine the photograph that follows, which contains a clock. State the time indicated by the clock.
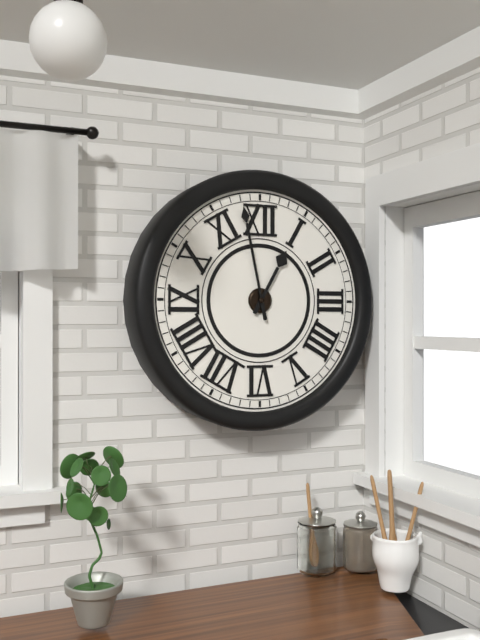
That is 12:58
